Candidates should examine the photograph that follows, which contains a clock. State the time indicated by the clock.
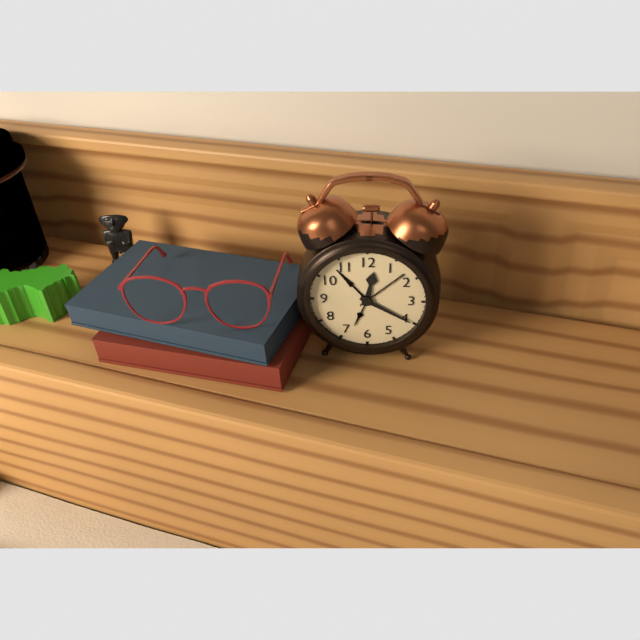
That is 12:20
